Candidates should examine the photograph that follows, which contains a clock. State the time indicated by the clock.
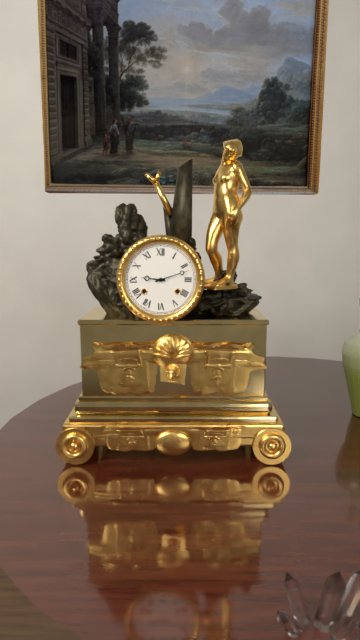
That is 9:12
